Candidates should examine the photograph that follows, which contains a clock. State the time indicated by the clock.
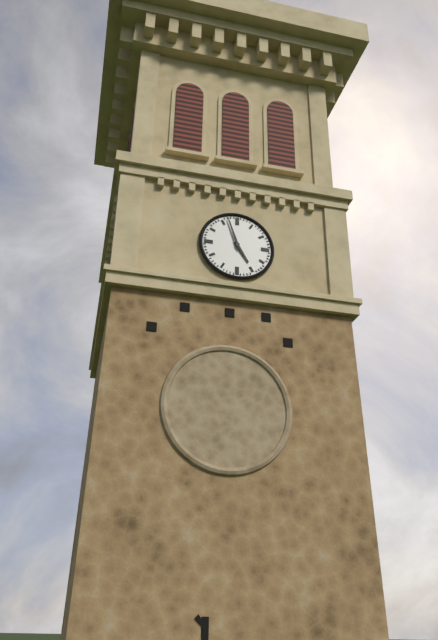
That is 4:57
